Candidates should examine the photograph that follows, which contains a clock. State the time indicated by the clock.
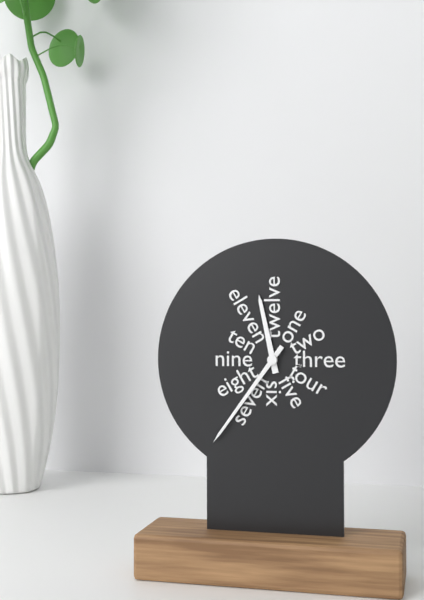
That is 11:36
